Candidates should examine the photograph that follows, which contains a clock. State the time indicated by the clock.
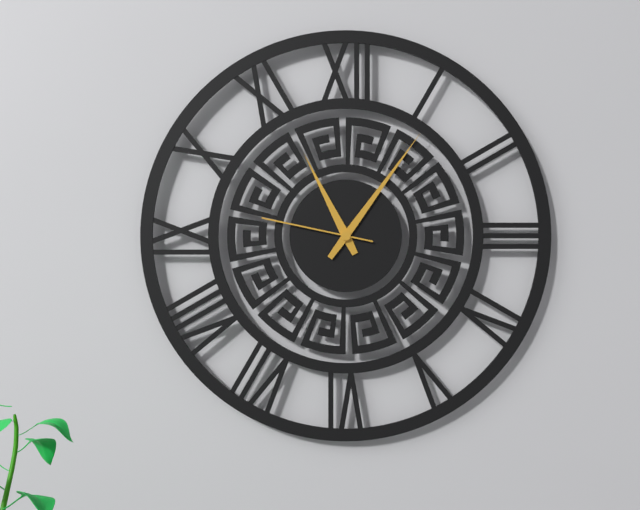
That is 11:06:47
